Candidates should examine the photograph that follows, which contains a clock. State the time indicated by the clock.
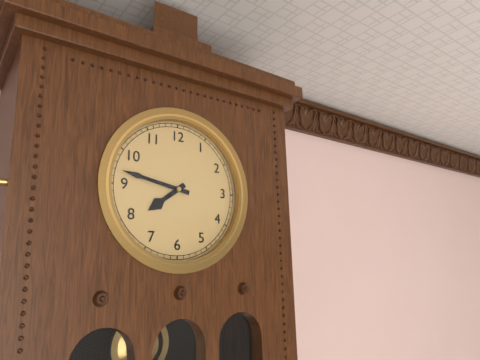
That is 7:47
